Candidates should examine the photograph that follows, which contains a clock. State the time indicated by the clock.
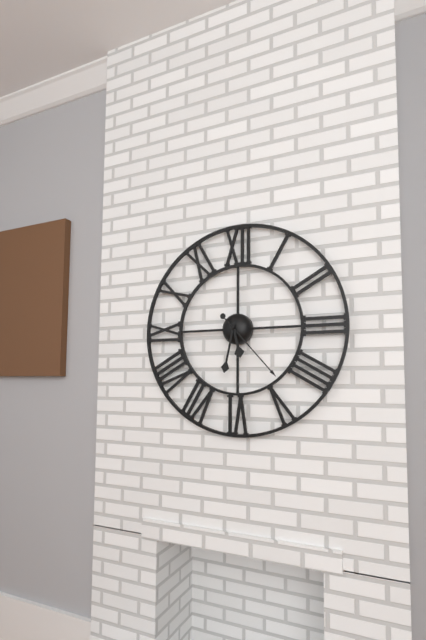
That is 5:32:23
